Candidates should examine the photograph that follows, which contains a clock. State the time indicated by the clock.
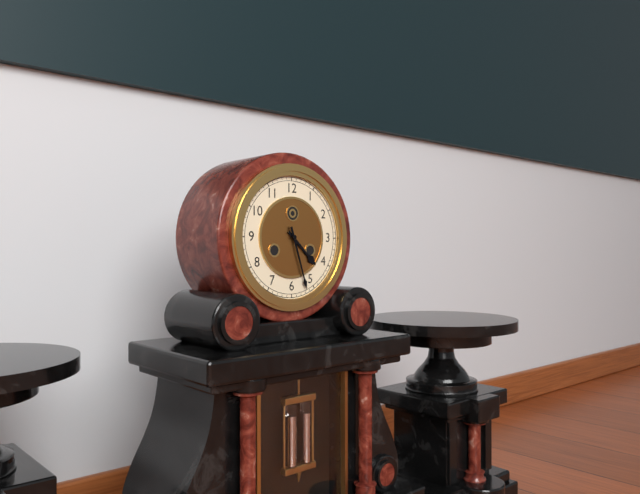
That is 4:27
